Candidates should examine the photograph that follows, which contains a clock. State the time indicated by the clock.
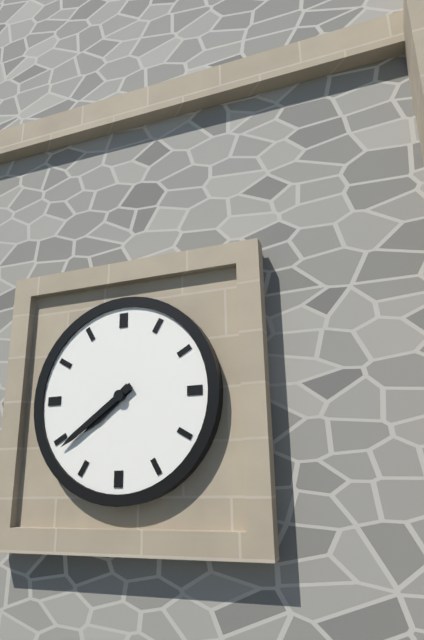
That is 7:39
